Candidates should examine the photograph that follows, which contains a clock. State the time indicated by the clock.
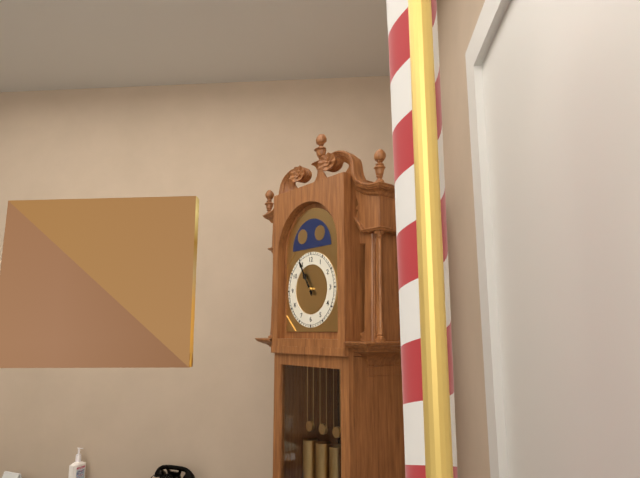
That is 10:55
